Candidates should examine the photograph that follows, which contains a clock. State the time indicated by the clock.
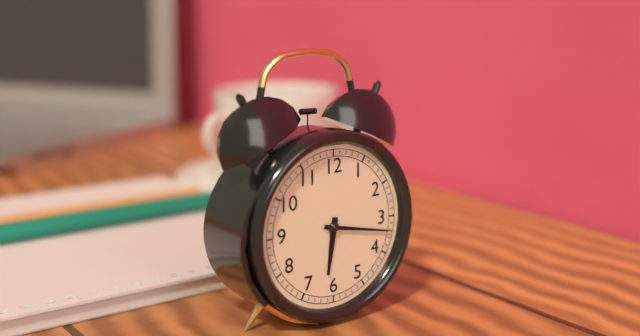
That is 6:17
